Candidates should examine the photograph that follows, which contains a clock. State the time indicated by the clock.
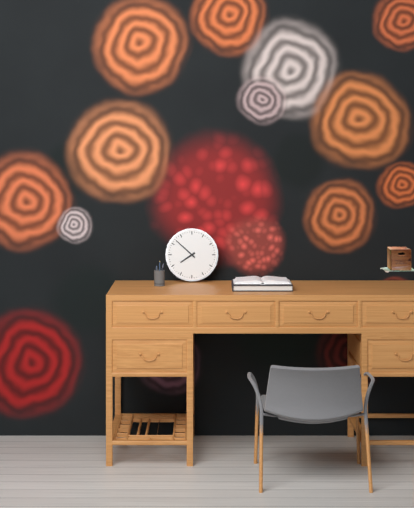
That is 7:52
